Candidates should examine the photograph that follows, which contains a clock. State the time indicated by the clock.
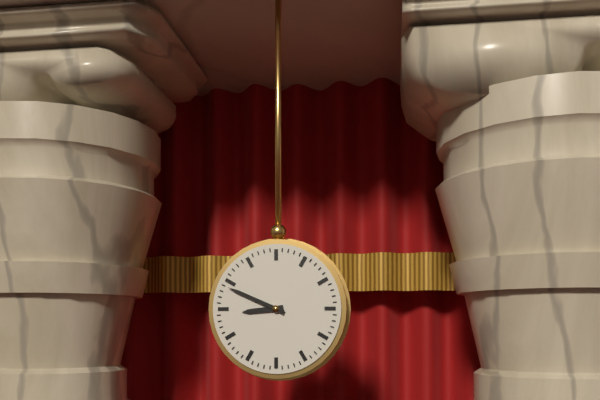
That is 8:49
